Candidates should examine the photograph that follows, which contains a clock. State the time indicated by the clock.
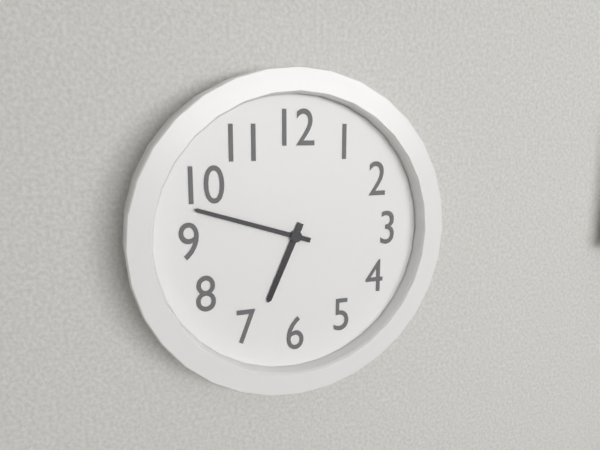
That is 6:48
